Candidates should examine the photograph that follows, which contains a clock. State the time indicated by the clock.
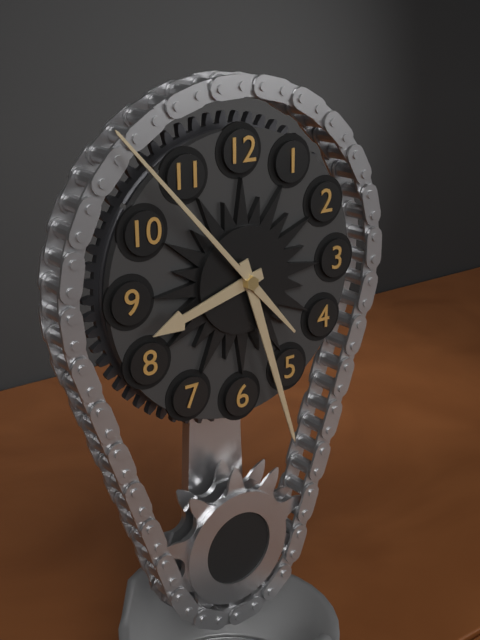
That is 8:27:53
